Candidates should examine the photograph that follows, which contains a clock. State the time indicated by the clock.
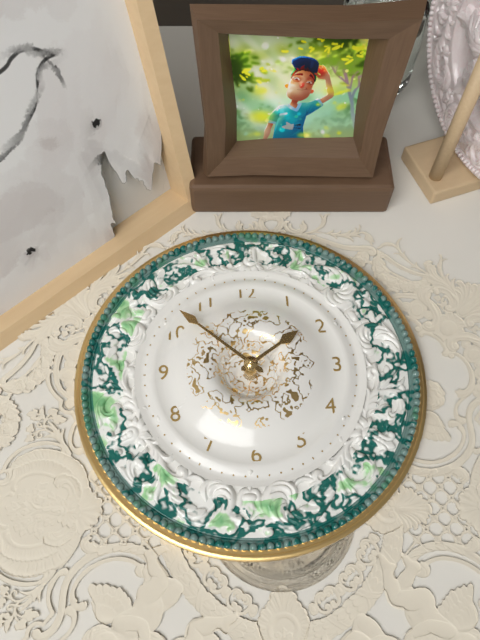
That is 1:52
